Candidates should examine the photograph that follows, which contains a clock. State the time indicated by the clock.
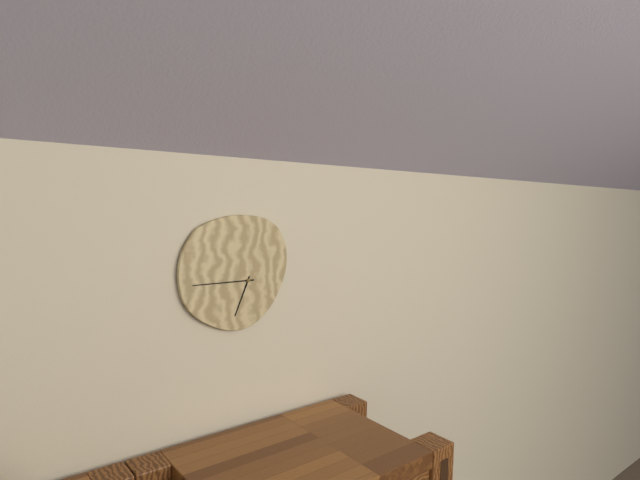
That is 6:45
